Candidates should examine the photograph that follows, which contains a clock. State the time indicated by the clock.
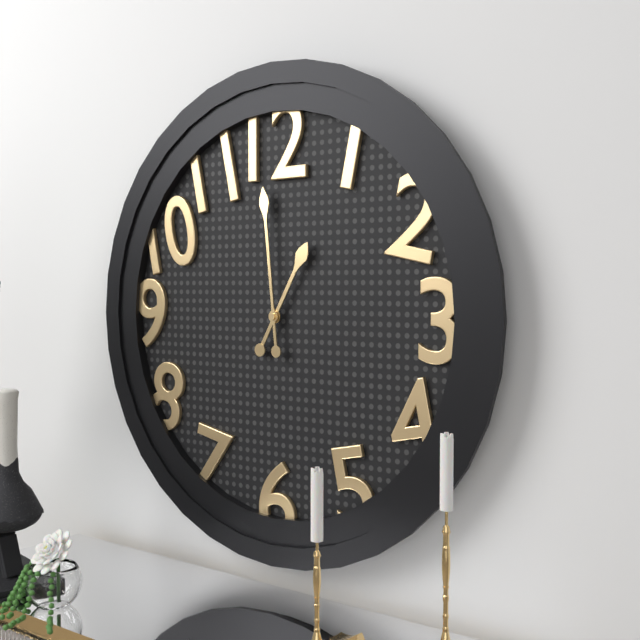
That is 12:59
